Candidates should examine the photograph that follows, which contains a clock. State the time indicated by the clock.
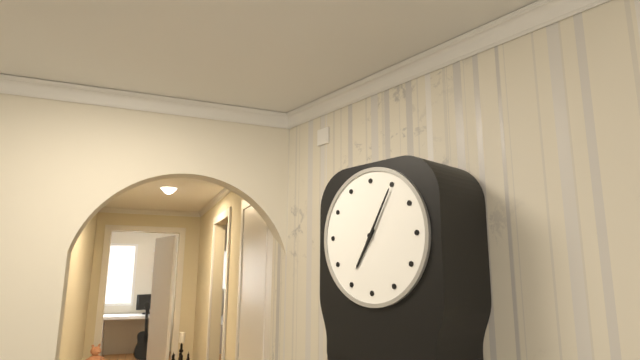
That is 7:05
